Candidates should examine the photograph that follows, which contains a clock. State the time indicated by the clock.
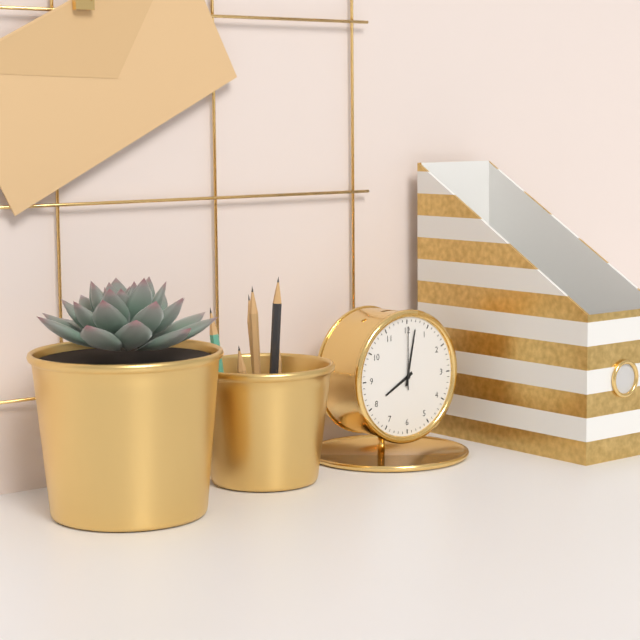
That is 8:02:00
